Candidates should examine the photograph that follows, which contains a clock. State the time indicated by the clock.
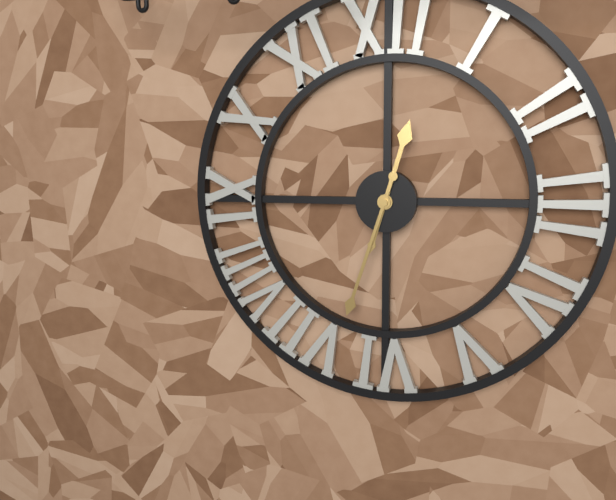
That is 12:33
